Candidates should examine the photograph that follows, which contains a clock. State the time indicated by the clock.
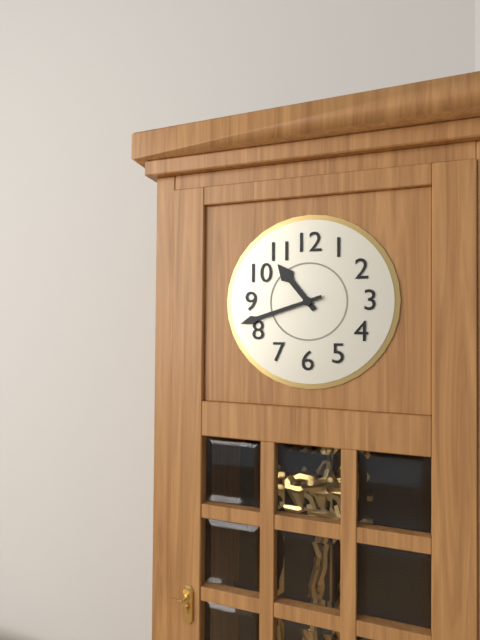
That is 10:42
